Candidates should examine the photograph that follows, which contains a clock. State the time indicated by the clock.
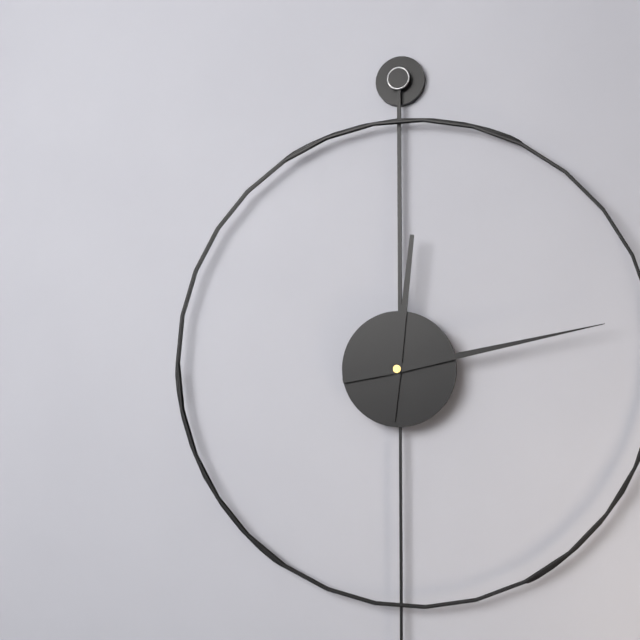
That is 12:13
